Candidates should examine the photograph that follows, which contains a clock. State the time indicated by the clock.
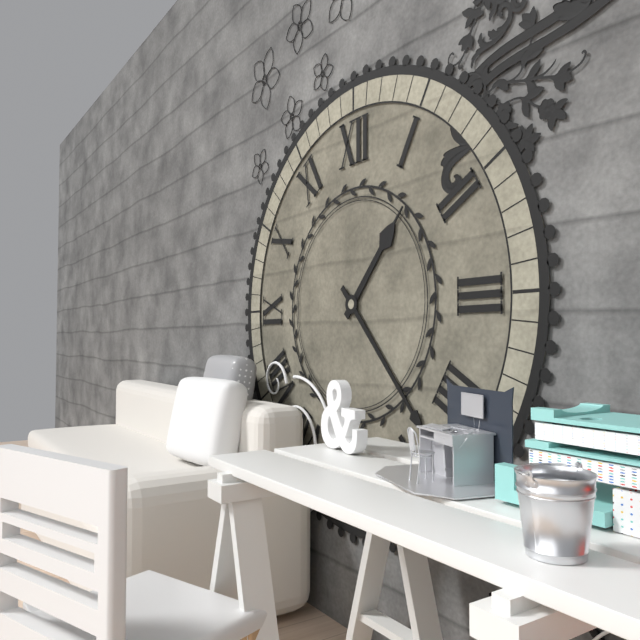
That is 1:23
